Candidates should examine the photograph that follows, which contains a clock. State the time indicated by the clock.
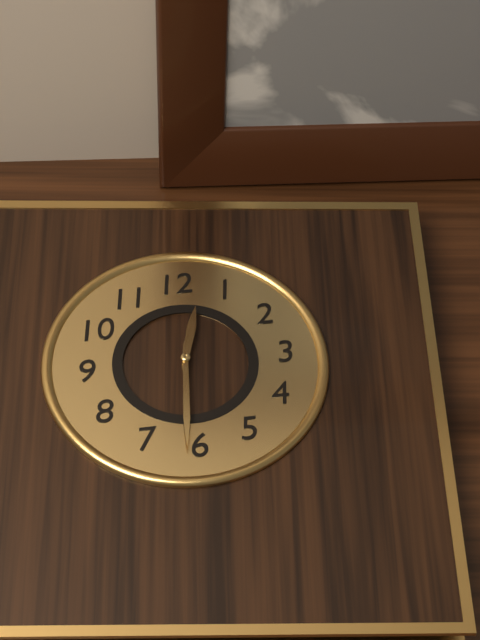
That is 12:31
